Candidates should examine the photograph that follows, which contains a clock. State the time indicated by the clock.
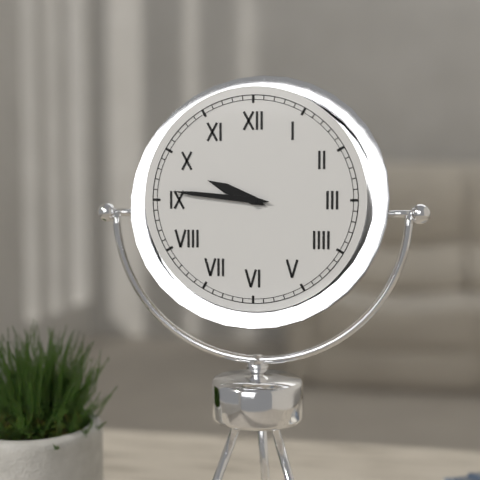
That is 9:46
